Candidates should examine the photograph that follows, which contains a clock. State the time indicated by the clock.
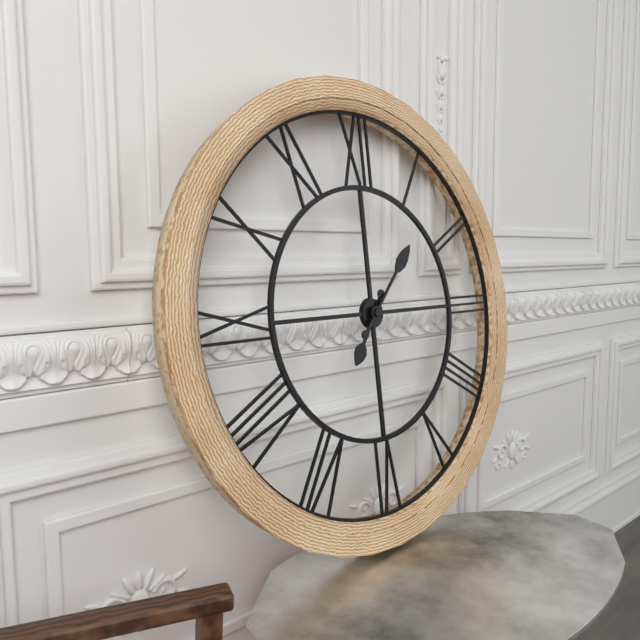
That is 7:07
